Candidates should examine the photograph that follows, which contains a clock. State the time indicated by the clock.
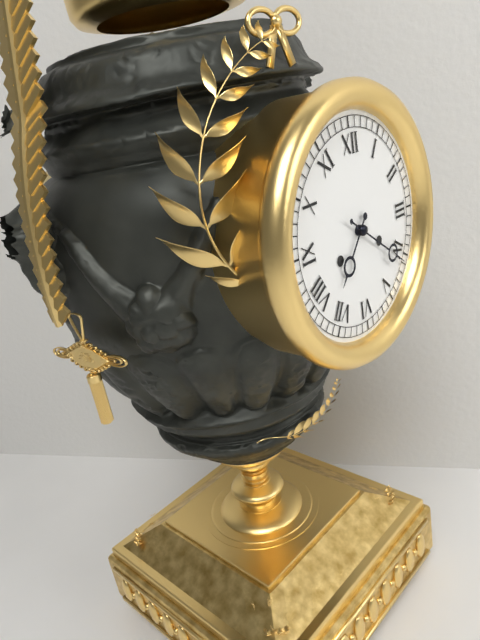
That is 7:21
